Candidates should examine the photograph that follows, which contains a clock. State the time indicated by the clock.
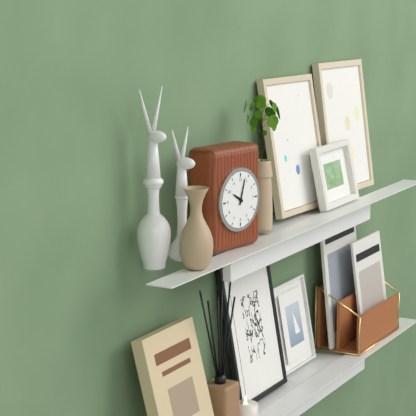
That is 10:03
